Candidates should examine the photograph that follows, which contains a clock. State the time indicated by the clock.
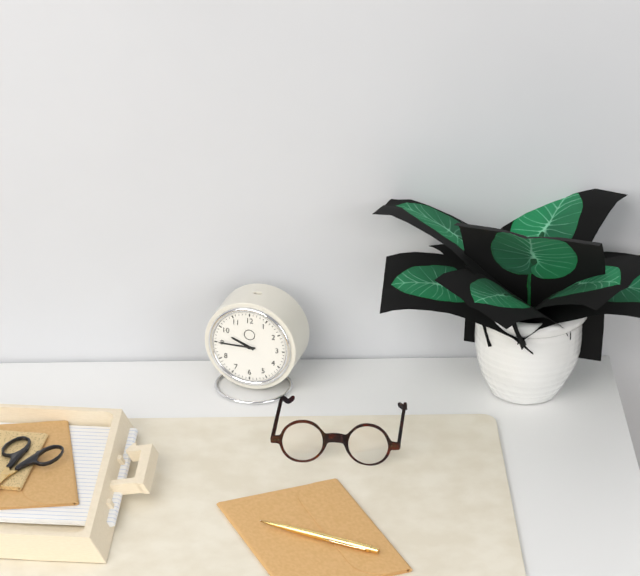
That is 9:45
